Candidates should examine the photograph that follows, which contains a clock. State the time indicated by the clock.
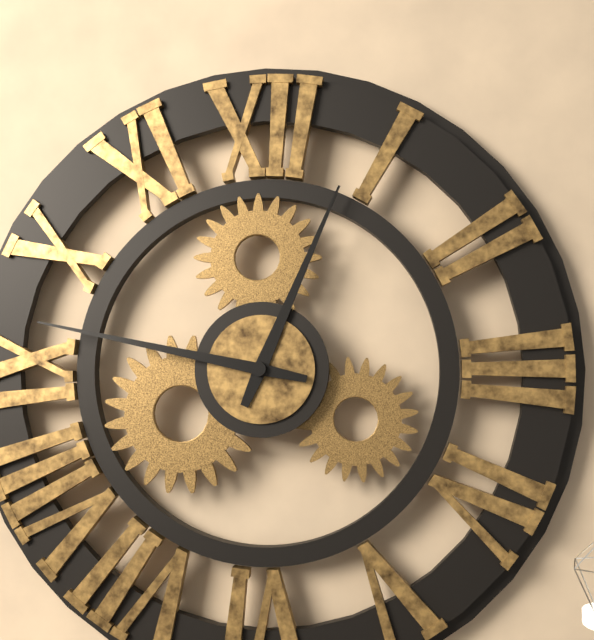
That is 12:47
